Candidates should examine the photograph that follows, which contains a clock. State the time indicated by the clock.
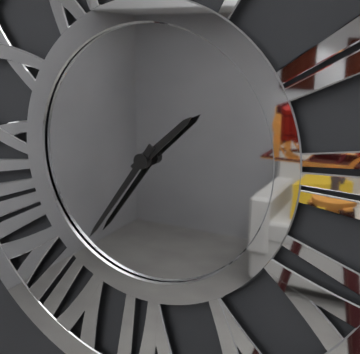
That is 1:36
